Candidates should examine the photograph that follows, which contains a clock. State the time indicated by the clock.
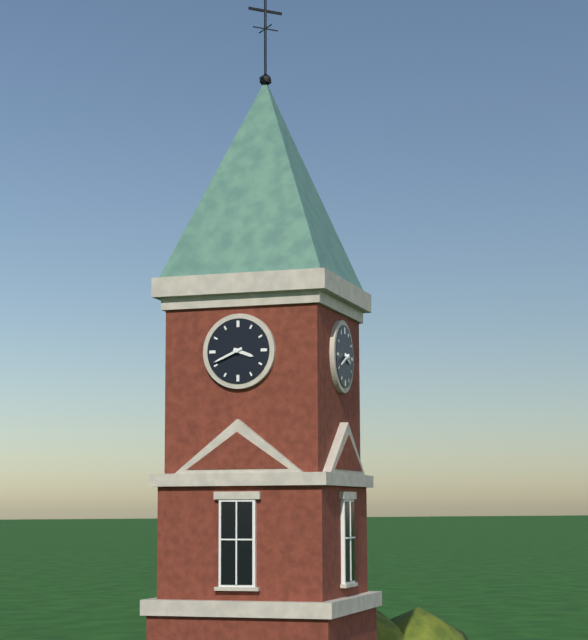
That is 3:41
